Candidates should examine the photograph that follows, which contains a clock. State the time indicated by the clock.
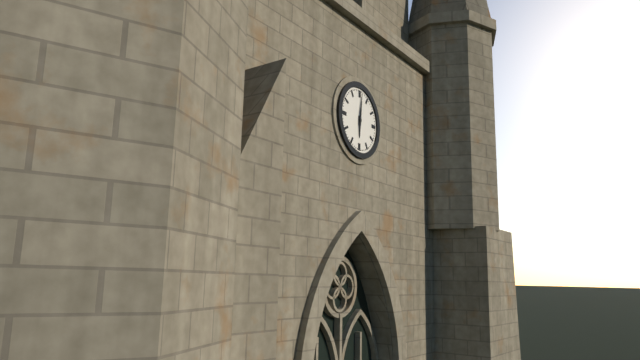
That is 6:01
